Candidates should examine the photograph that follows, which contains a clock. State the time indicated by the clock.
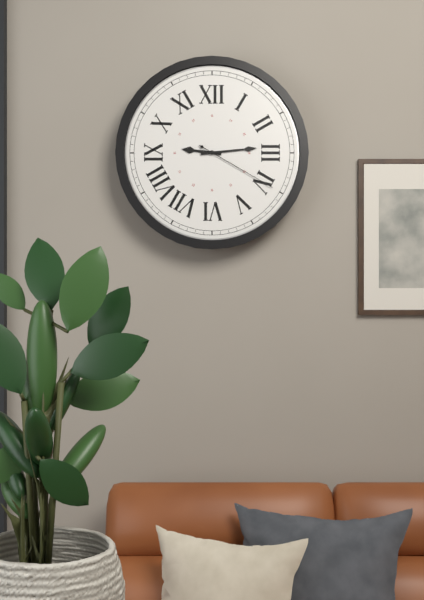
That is 9:14:20
